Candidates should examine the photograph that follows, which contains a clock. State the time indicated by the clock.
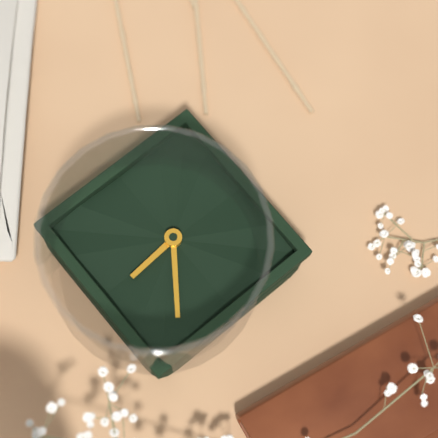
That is 11:51
